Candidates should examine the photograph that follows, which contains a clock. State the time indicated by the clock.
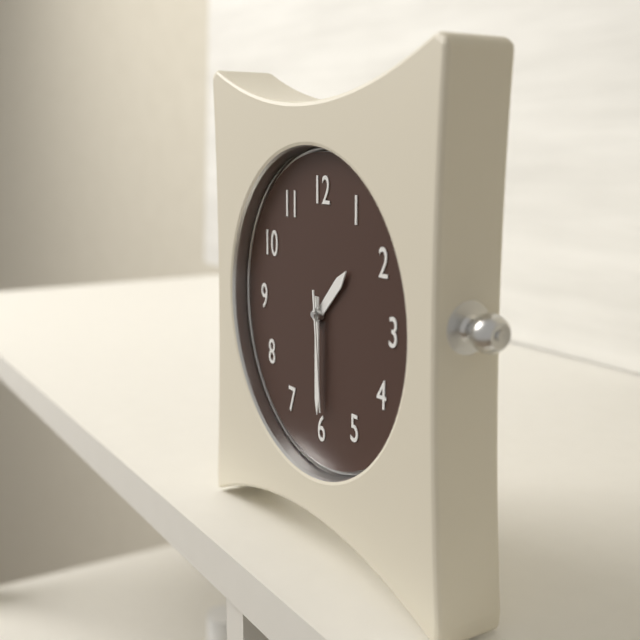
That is 1:30:29
